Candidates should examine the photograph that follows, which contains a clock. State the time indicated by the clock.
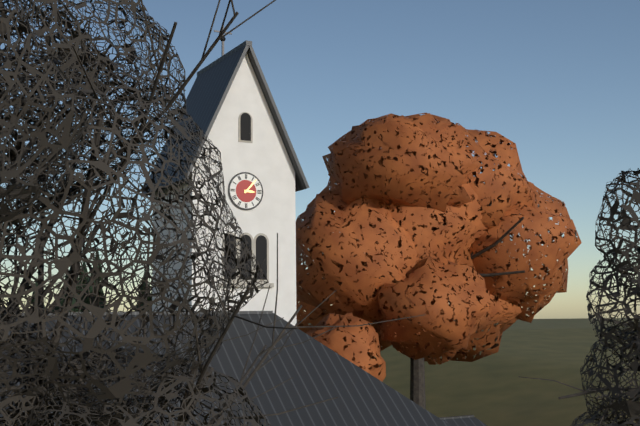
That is 3:07
